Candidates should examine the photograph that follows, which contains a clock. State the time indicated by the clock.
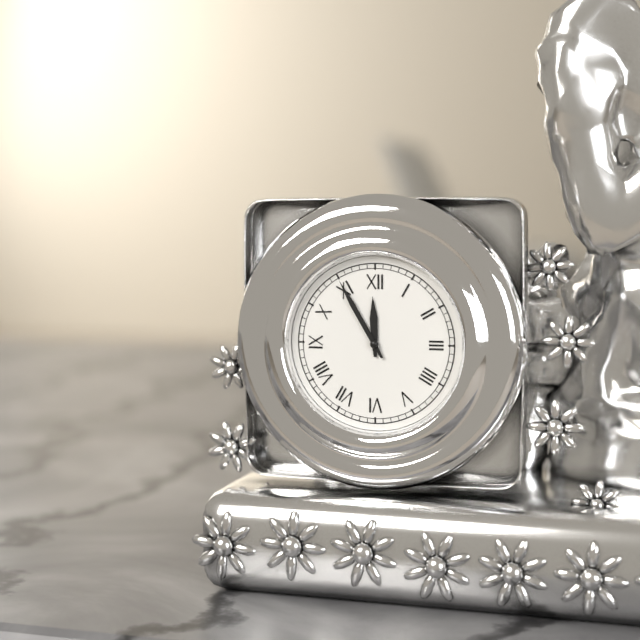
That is 11:55
